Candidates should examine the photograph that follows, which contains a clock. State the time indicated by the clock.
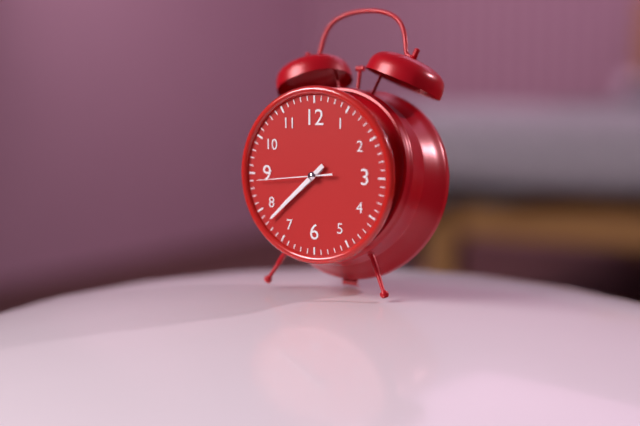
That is 7:38:44
